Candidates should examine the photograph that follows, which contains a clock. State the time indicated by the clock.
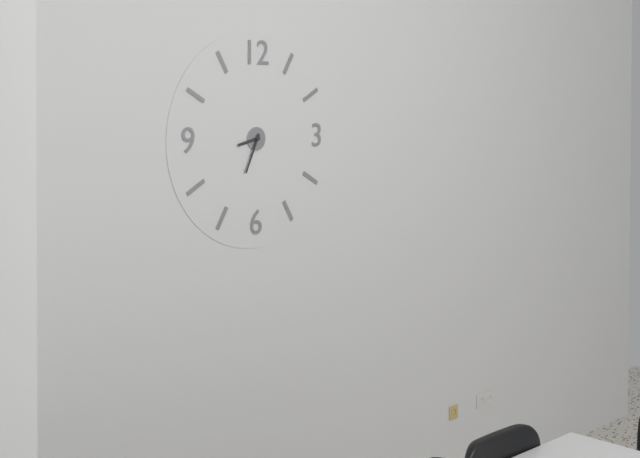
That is 8:34
